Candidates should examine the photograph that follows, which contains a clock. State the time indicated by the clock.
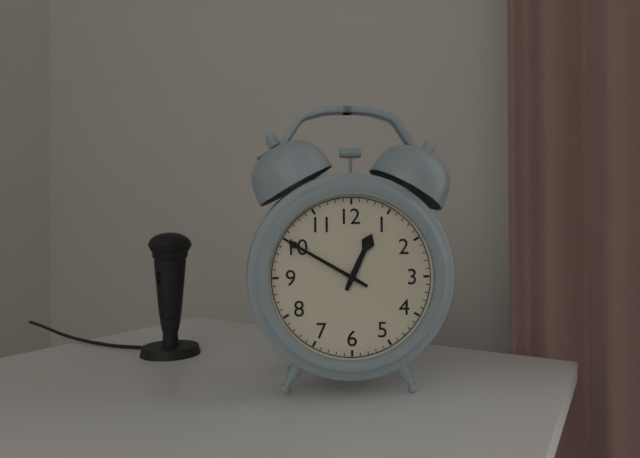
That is 12:50
